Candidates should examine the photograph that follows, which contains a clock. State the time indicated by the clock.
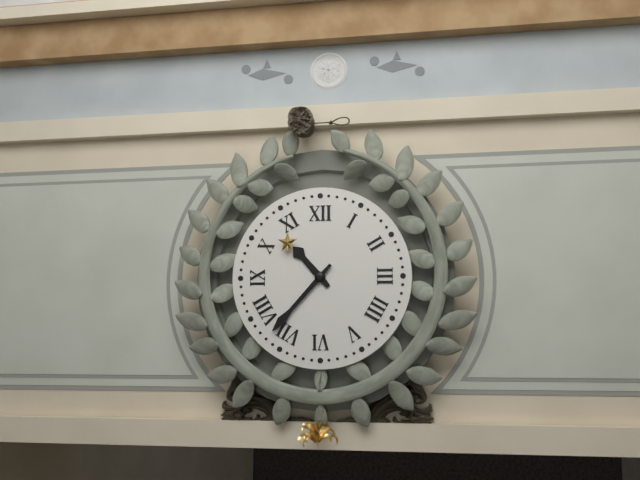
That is 10:37
